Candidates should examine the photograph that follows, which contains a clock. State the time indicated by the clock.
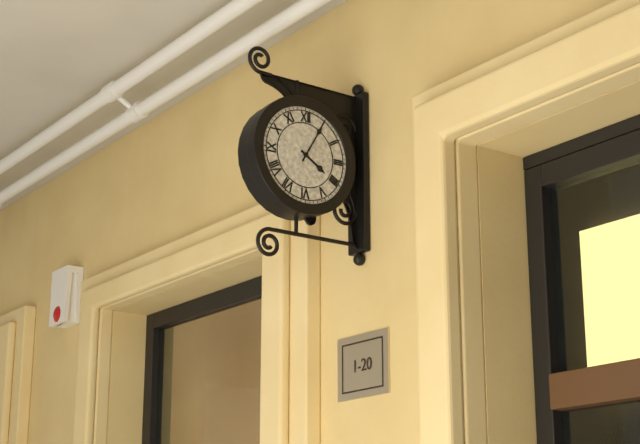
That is 4:05
